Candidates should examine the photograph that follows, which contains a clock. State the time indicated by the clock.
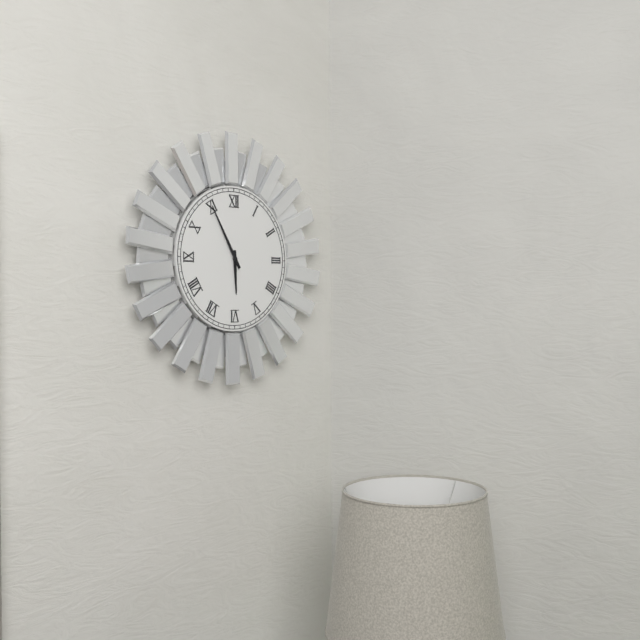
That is 5:55
